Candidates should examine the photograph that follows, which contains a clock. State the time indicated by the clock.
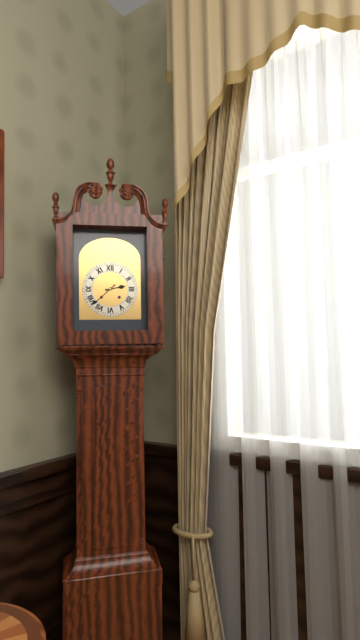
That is 2:38
